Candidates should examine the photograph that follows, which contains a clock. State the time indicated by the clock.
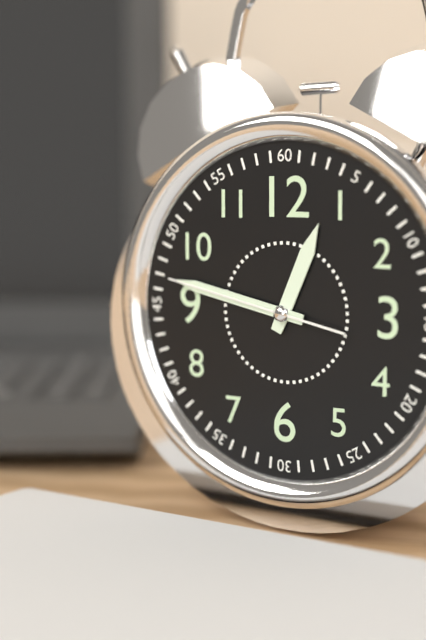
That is 12:47:47
